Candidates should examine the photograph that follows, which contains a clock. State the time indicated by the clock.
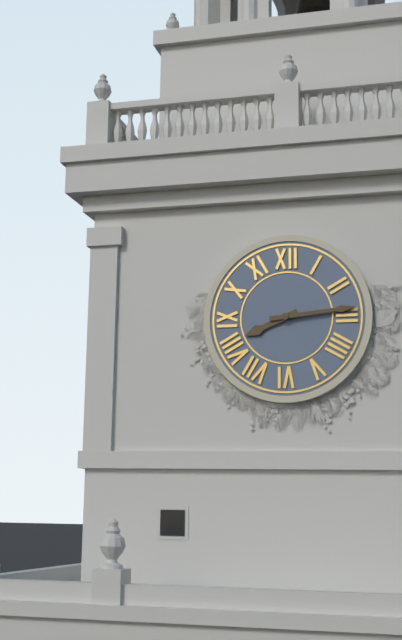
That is 8:14
